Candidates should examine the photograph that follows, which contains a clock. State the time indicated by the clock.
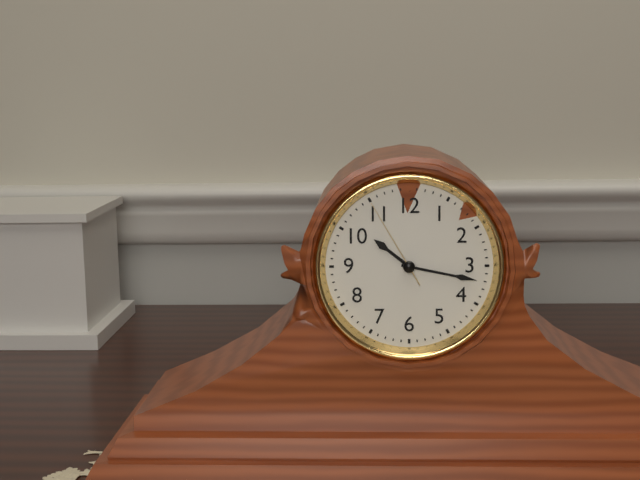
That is 10:17:55
